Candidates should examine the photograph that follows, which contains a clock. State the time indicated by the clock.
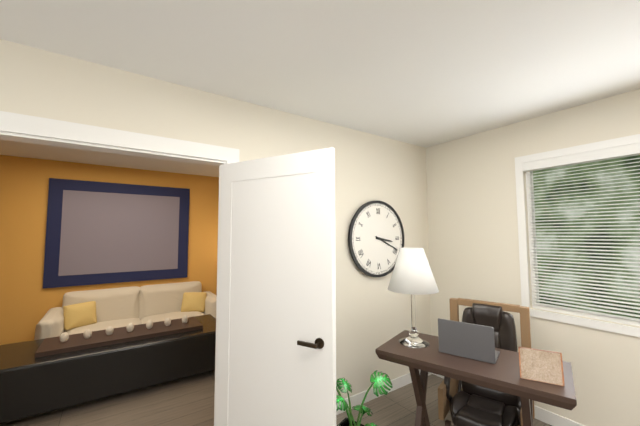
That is 3:19
